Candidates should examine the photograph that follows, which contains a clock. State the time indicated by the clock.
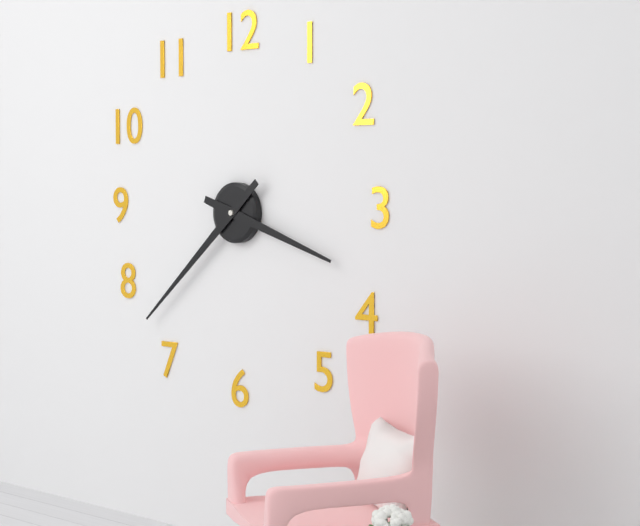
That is 3:38
